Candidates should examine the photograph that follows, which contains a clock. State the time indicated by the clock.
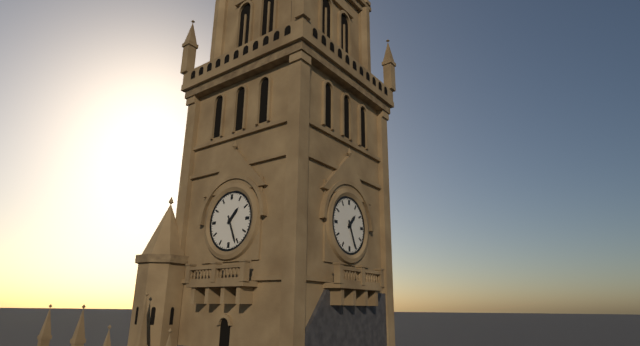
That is 1:26
